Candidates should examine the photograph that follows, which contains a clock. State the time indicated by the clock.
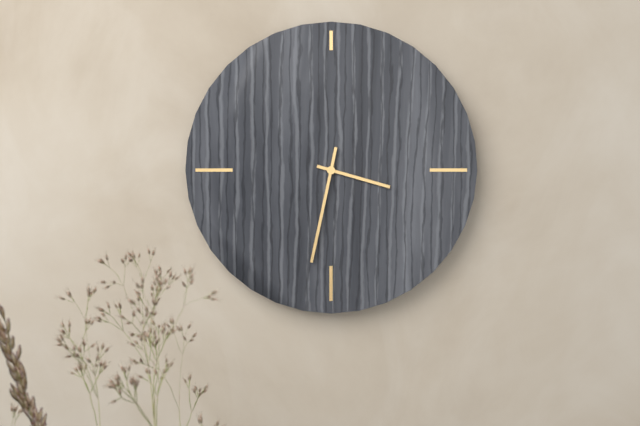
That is 3:32
